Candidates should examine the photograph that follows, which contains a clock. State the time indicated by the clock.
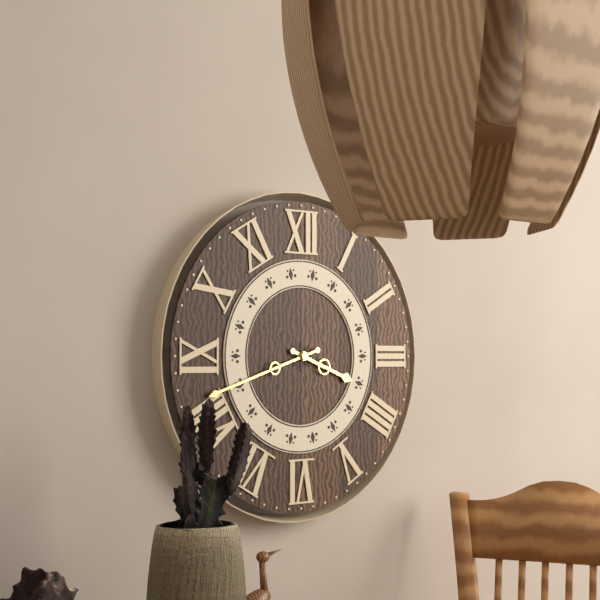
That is 3:42
